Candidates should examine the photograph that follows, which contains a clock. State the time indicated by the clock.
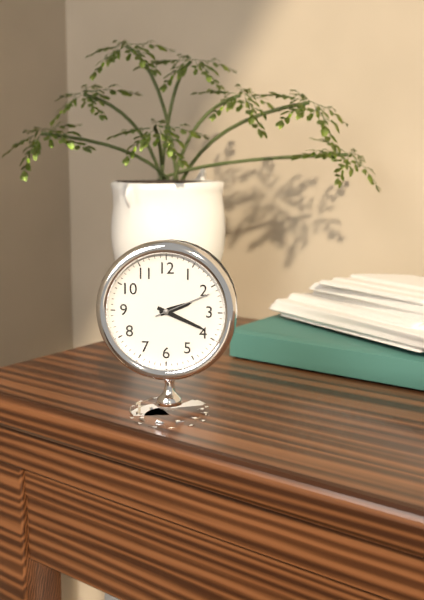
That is 2:19:11
